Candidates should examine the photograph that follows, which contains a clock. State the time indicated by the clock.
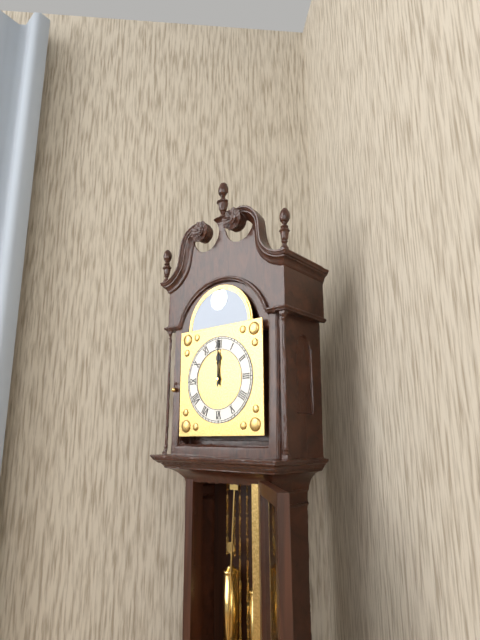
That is 12:00
